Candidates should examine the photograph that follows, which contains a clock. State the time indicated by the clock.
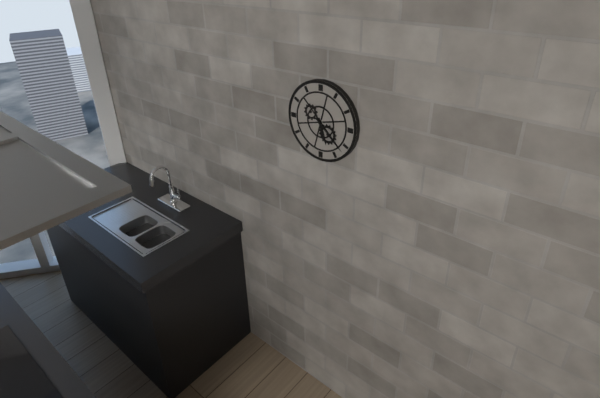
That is 5:22
